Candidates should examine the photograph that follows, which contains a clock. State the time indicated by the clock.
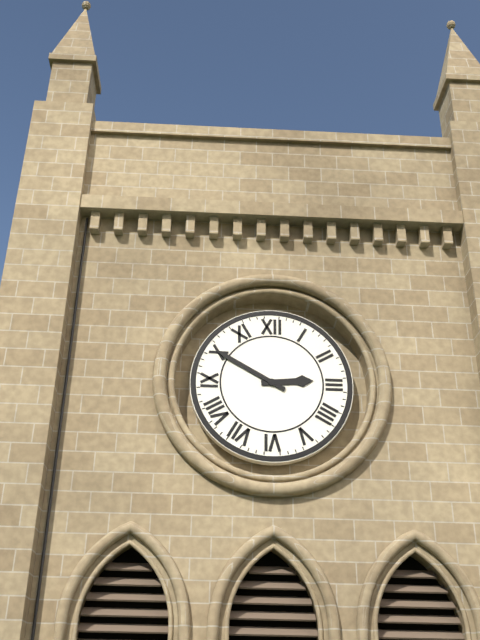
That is 2:50
